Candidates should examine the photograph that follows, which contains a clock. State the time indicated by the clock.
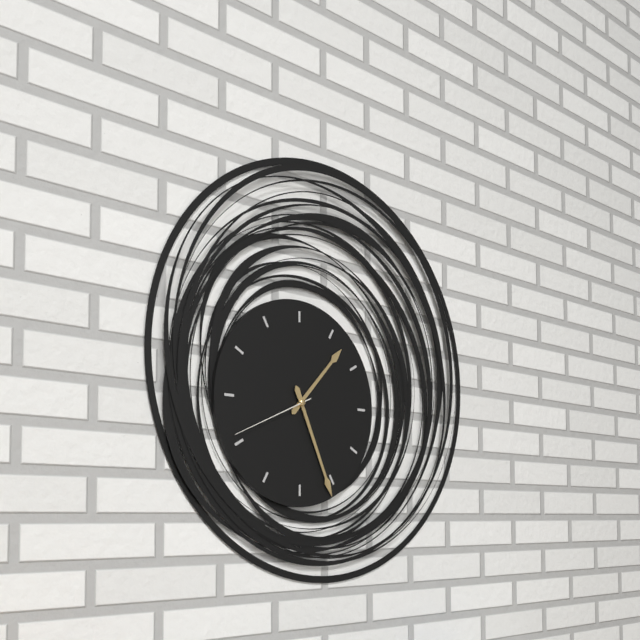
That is 1:26:41
